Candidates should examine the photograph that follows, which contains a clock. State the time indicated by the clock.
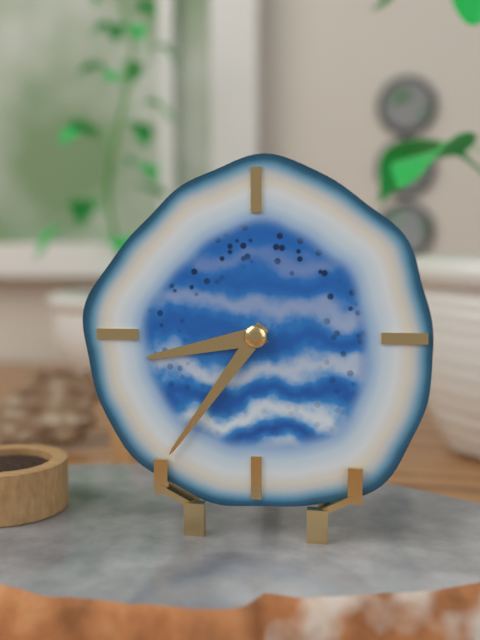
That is 8:36
